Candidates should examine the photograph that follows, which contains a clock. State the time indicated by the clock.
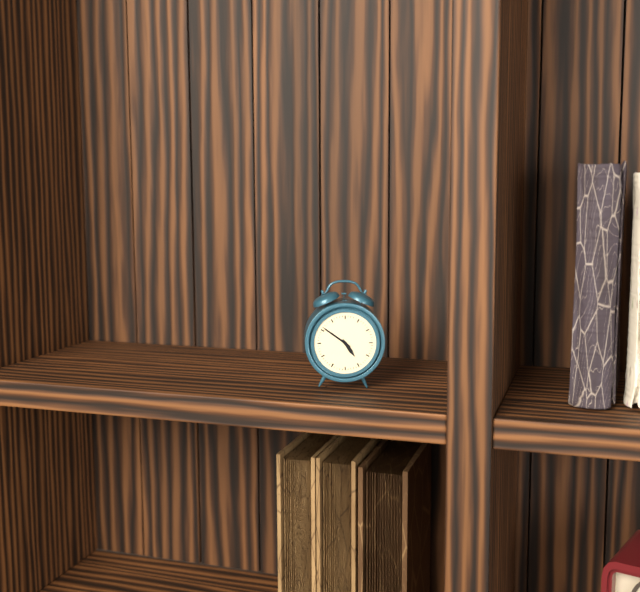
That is 4:51
